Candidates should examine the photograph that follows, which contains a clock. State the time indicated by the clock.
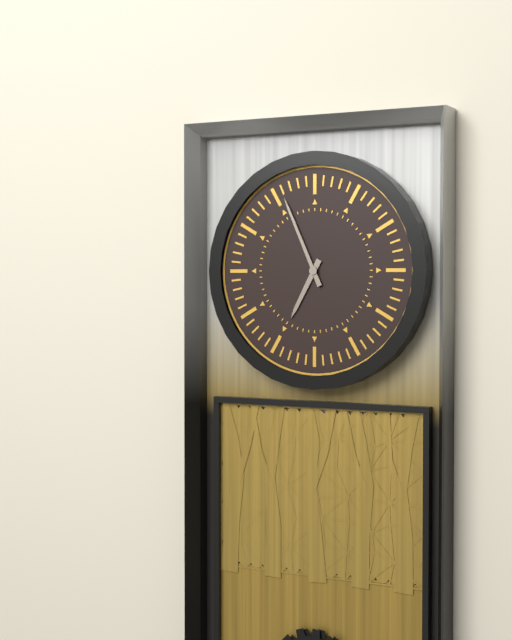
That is 6:56
